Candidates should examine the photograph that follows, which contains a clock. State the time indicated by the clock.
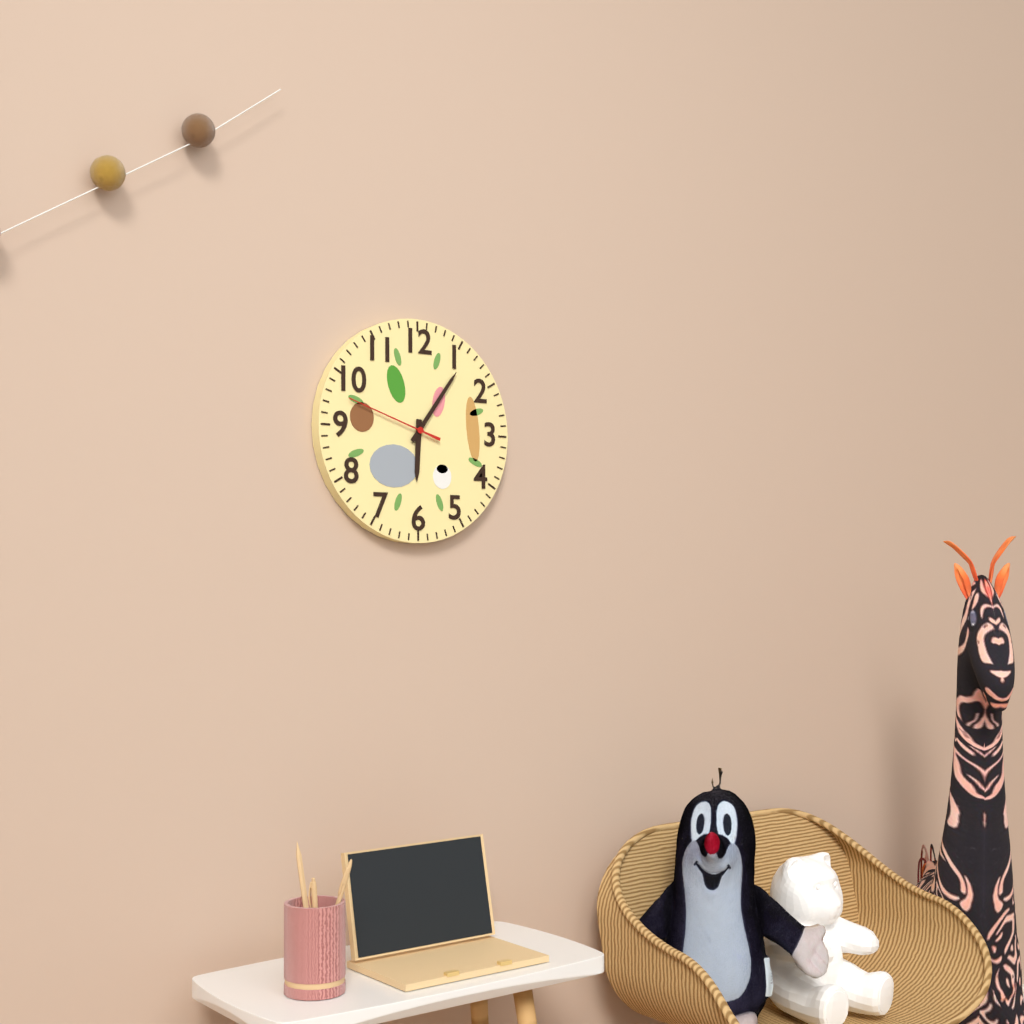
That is 6:06:48
